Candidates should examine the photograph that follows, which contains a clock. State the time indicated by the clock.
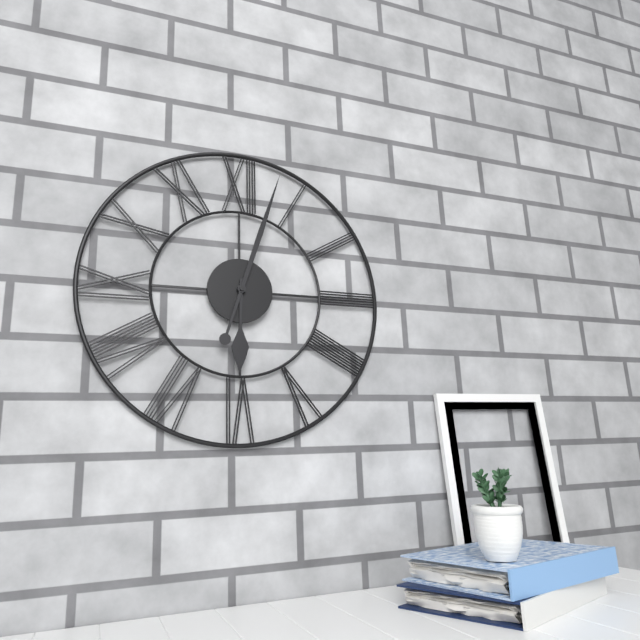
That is 6:03
